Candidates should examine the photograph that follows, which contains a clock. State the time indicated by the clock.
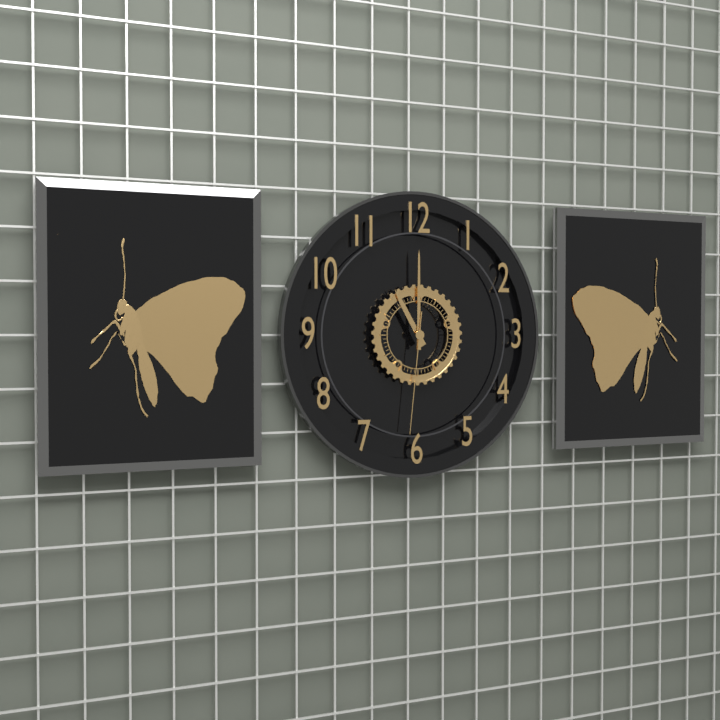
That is 11:00:31
